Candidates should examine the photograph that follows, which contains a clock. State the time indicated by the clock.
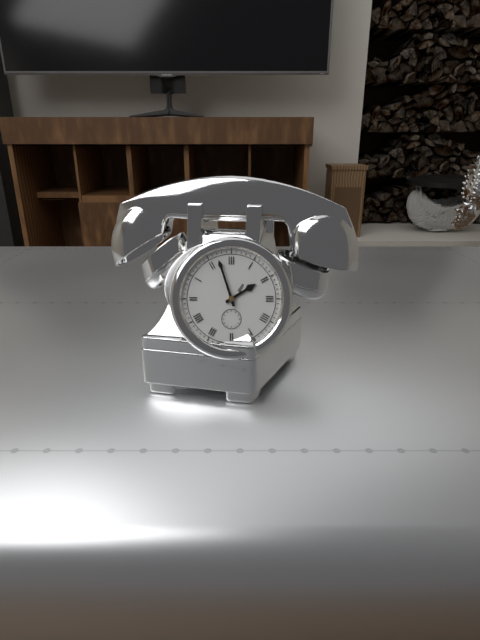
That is 1:57
